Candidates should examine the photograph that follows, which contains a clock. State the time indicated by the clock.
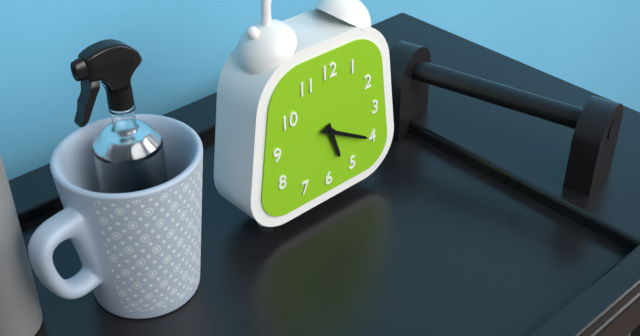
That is 5:20
